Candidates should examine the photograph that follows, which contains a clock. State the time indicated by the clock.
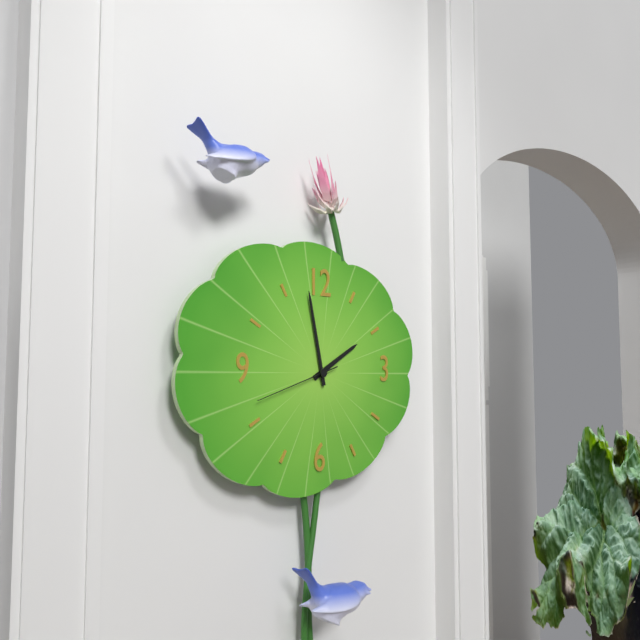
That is 1:58:42
